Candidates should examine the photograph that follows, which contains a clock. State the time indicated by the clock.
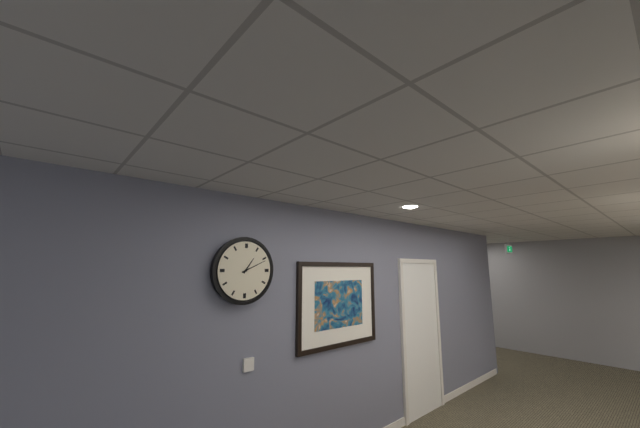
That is 1:11
